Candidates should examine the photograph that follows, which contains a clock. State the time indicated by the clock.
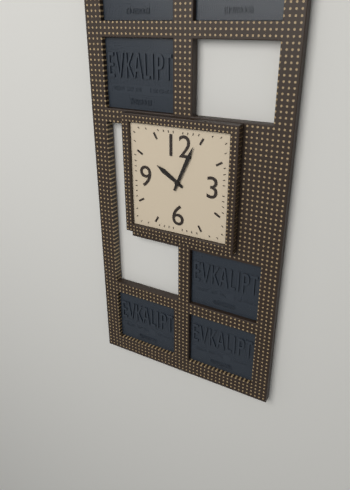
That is 10:04
